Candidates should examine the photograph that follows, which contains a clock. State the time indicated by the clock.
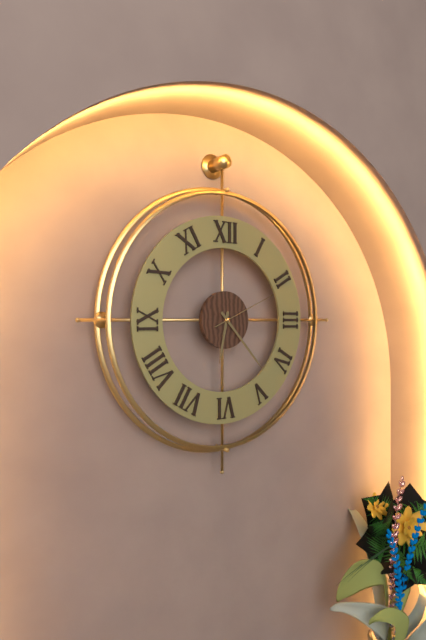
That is 6:23:11
